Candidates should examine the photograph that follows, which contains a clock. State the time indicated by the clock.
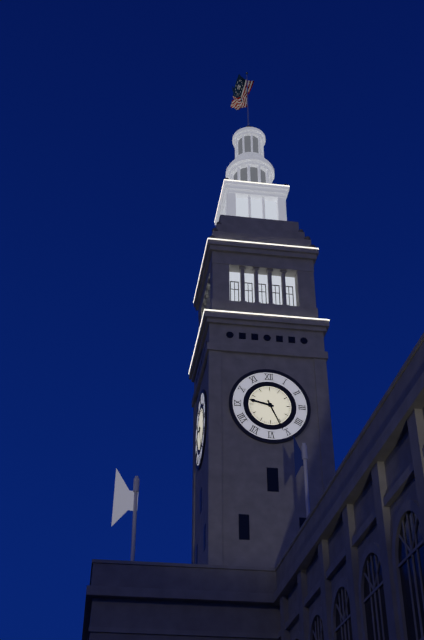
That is 9:26
